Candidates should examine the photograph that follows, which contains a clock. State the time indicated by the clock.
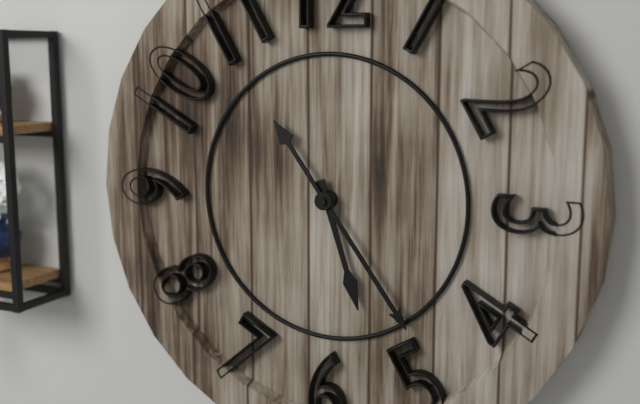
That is 5:24
